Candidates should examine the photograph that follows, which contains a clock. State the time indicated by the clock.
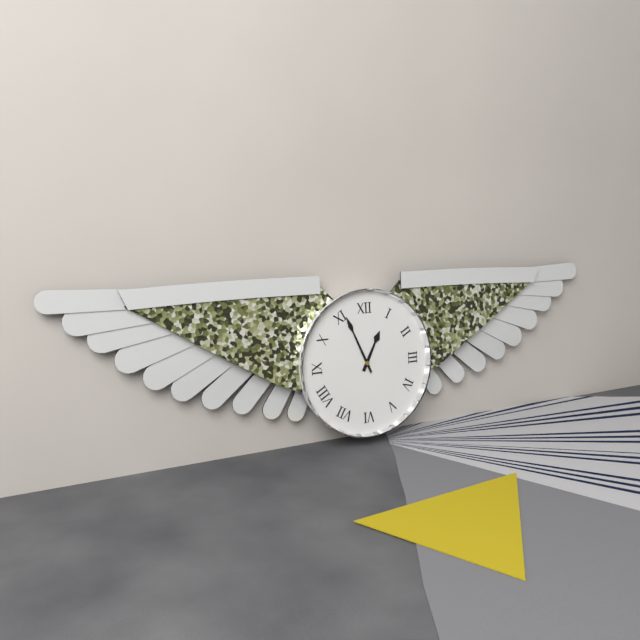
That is 12:56
